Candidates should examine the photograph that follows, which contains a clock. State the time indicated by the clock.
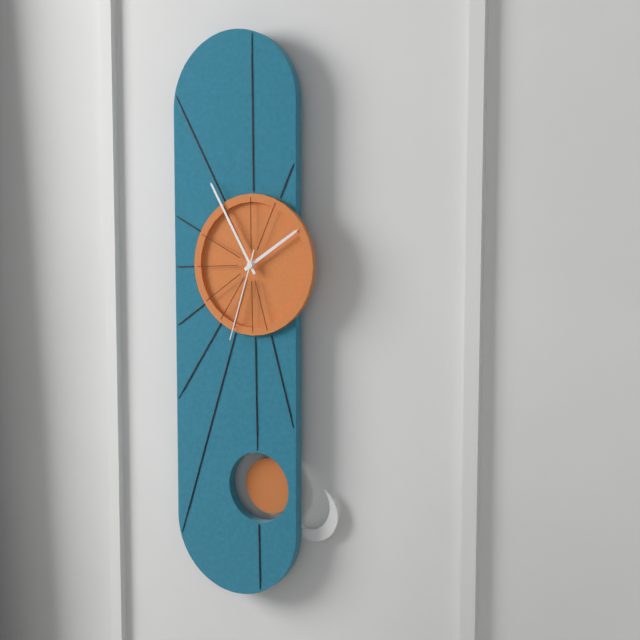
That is 1:55:33
